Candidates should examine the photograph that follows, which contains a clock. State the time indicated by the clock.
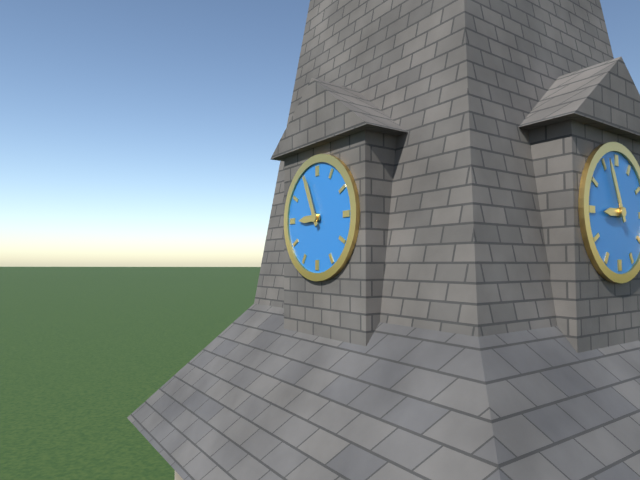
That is 8:56
